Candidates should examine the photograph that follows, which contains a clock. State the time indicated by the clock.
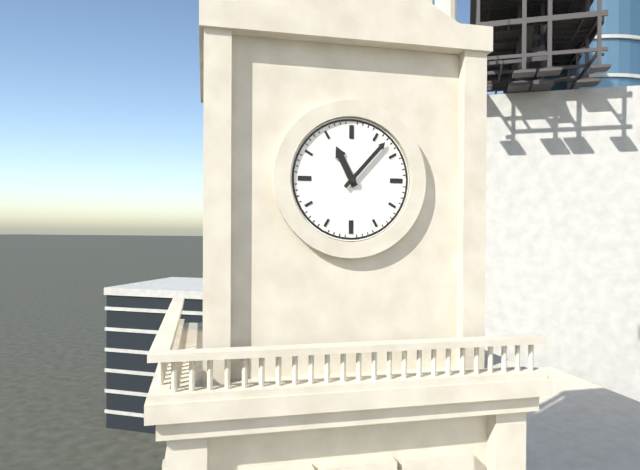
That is 11:07
